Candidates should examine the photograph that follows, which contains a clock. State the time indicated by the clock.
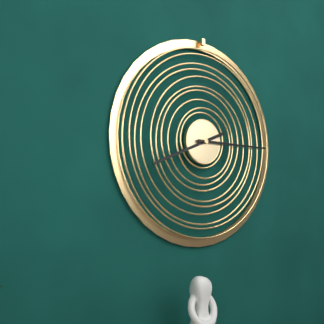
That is 8:15
